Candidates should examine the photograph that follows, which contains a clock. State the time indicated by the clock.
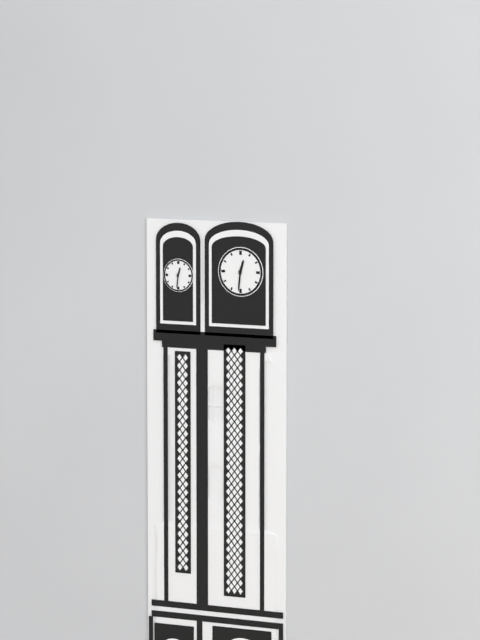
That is 12:31
